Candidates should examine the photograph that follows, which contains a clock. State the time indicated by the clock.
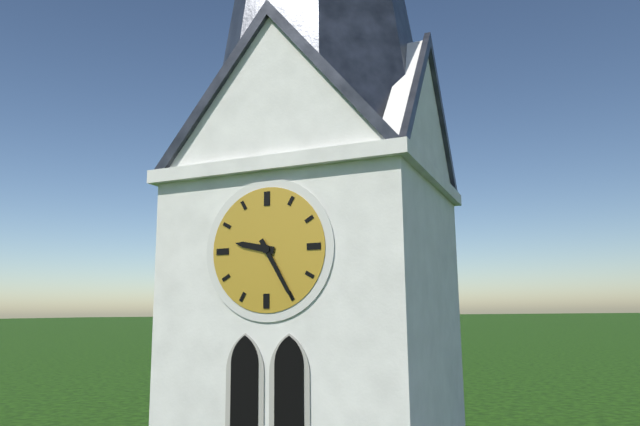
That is 9:25
